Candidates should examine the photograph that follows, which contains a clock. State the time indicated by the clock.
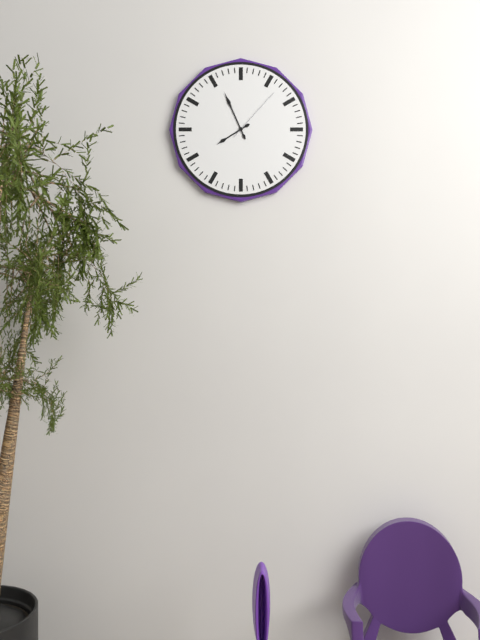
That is 7:56:07
